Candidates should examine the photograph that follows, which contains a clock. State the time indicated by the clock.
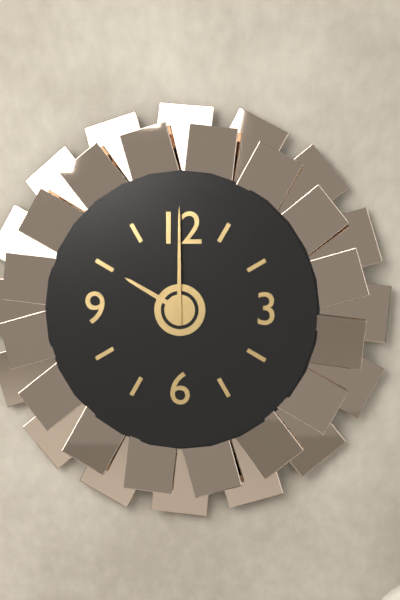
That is 10:00
